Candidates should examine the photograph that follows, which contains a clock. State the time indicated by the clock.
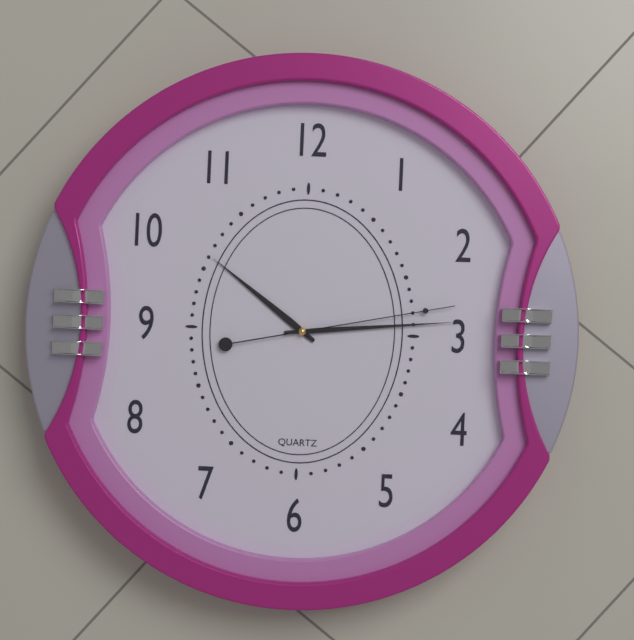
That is 10:14:13
